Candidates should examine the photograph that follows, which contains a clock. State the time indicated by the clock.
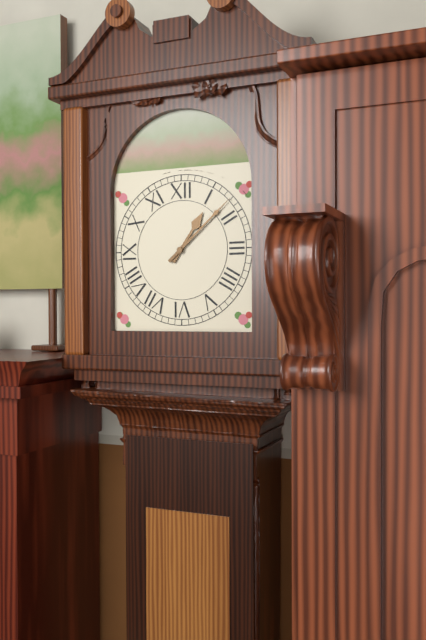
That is 1:08
